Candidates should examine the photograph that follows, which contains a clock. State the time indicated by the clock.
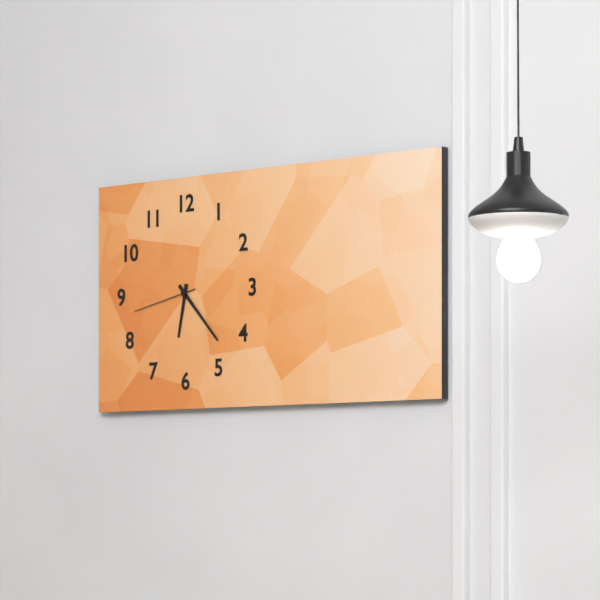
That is 6:23:43
